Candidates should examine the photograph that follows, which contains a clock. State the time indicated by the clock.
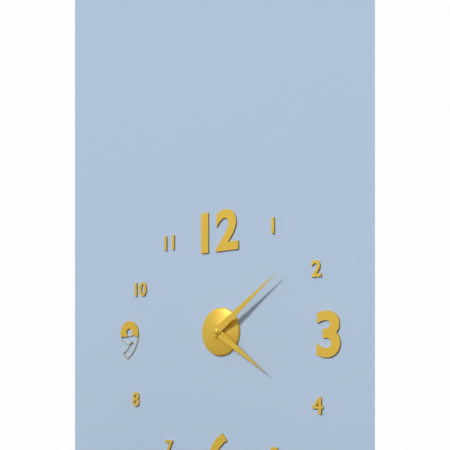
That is 4:09
